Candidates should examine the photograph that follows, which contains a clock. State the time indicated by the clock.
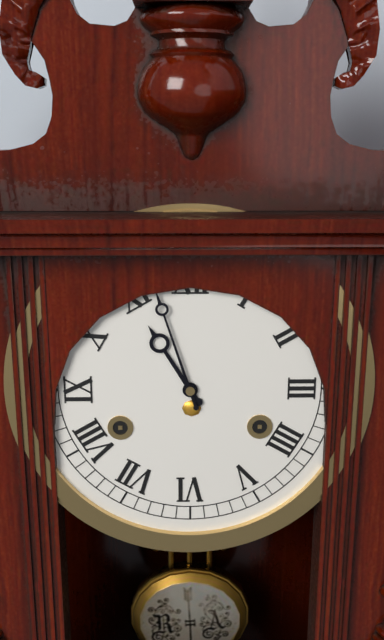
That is 10:57
